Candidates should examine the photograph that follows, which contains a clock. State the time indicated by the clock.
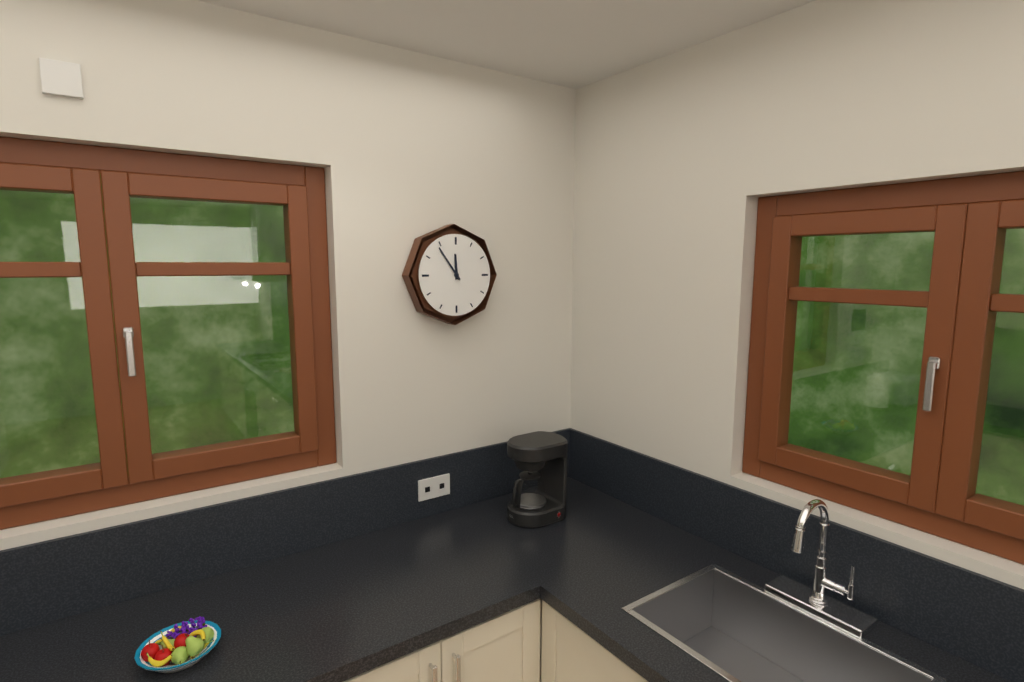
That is 11:54
